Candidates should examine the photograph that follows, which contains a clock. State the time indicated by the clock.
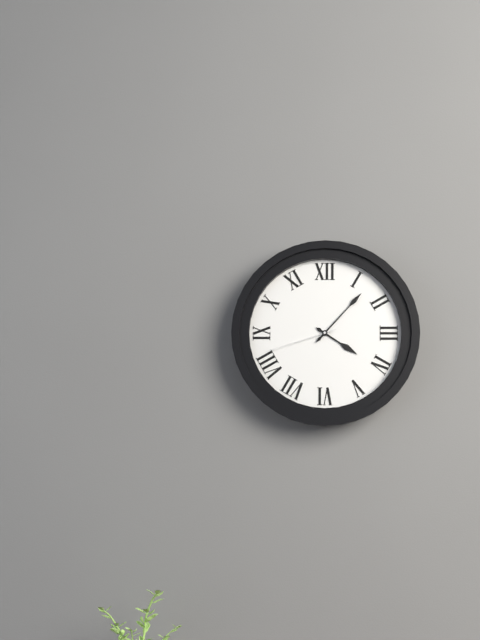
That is 4:07:42
